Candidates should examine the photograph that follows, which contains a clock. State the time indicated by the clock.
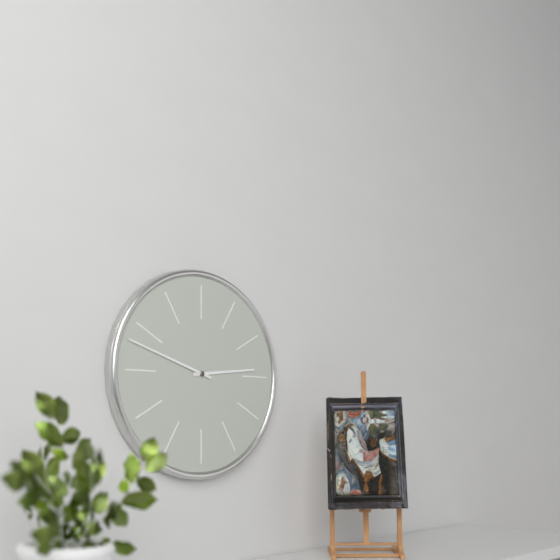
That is 2:48
